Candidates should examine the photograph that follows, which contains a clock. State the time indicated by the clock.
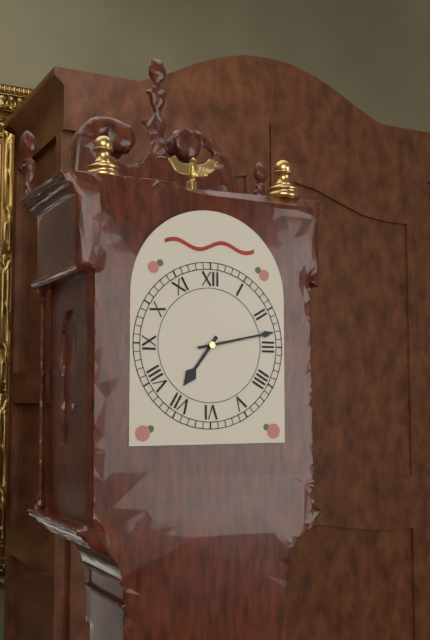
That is 7:13
